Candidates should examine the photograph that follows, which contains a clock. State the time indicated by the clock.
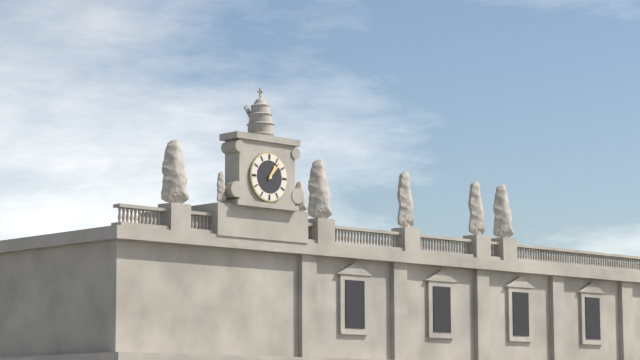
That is 1:07
